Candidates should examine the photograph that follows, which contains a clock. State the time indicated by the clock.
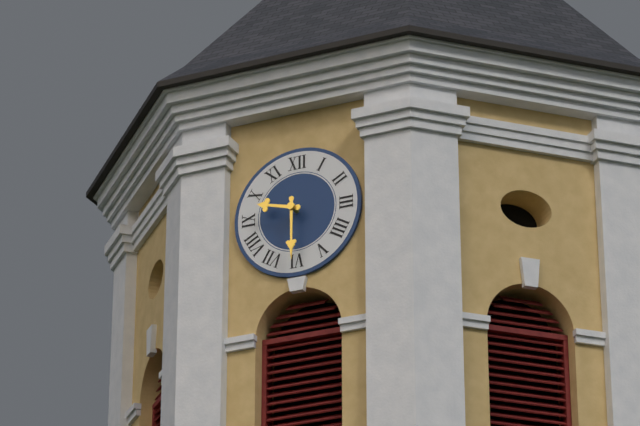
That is 9:30
